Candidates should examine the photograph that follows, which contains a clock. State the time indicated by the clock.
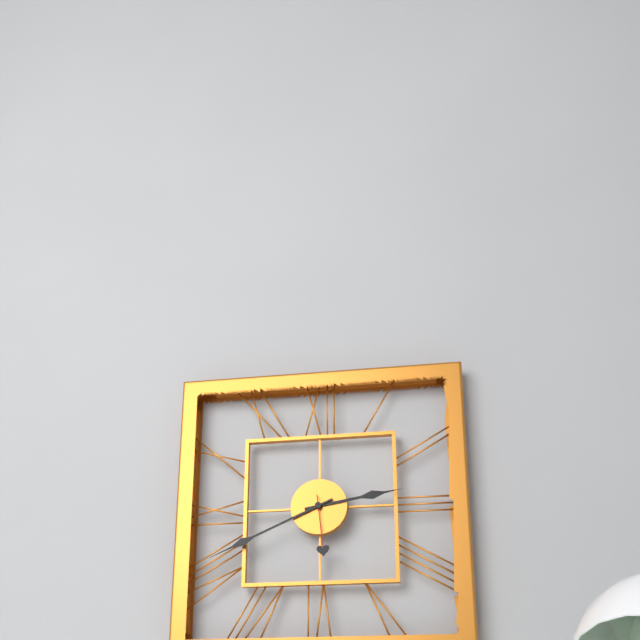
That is 2:41:29
